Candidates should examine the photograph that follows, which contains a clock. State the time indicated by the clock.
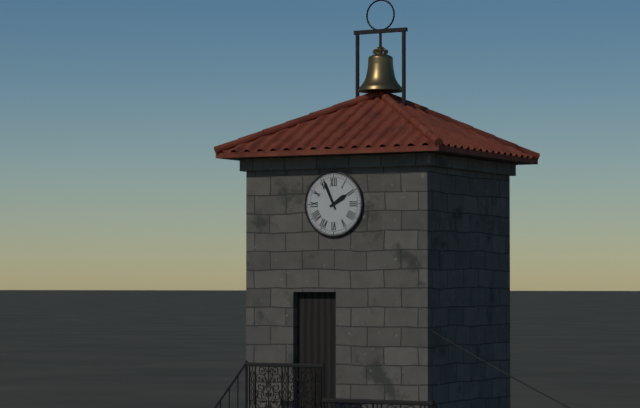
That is 1:56
